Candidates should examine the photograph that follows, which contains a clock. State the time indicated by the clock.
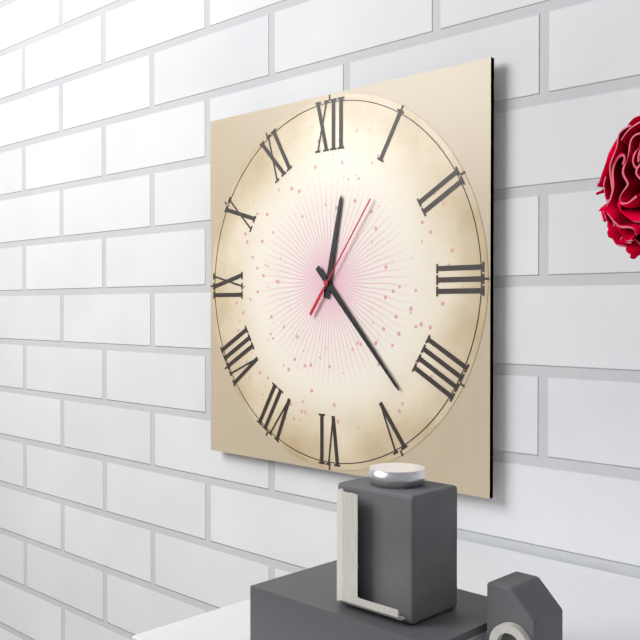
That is 12:23:06
